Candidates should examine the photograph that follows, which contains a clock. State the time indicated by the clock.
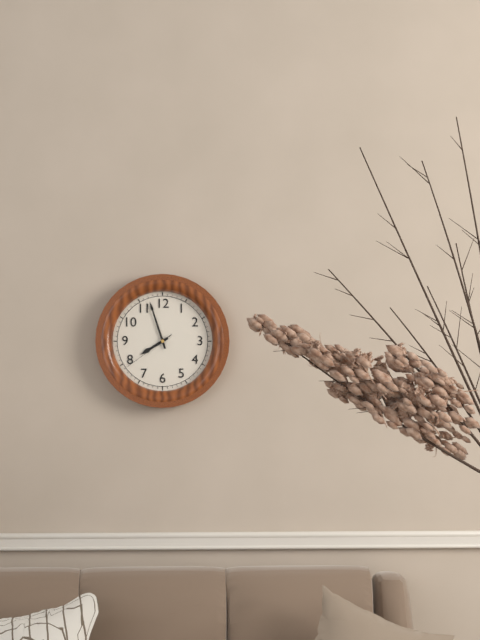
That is 7:57:39
